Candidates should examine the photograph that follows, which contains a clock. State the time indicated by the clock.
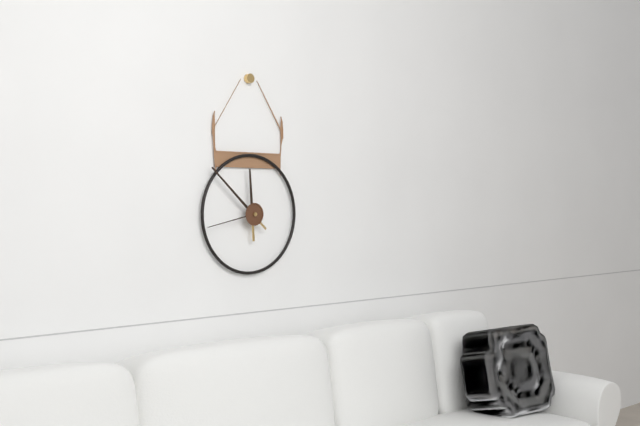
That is 11:52:43
